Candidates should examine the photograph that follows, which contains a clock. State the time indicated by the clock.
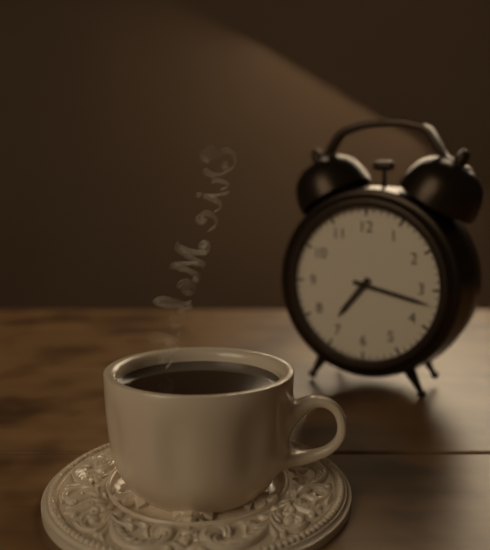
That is 7:17
